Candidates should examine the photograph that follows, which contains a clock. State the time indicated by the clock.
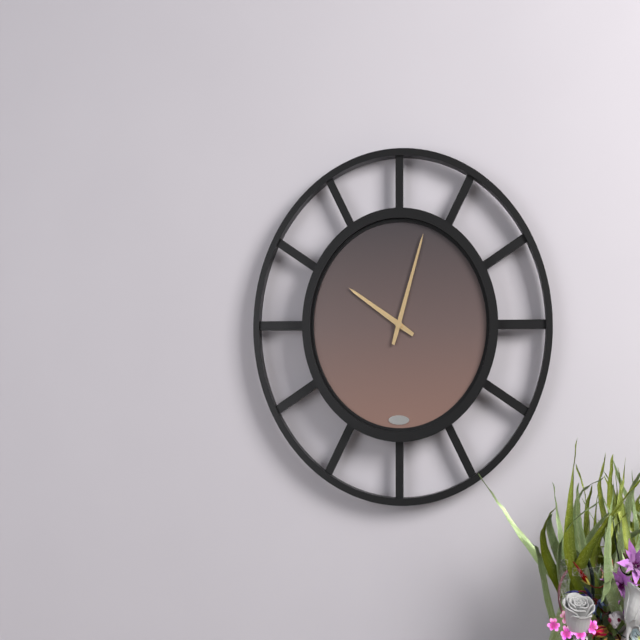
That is 10:03
